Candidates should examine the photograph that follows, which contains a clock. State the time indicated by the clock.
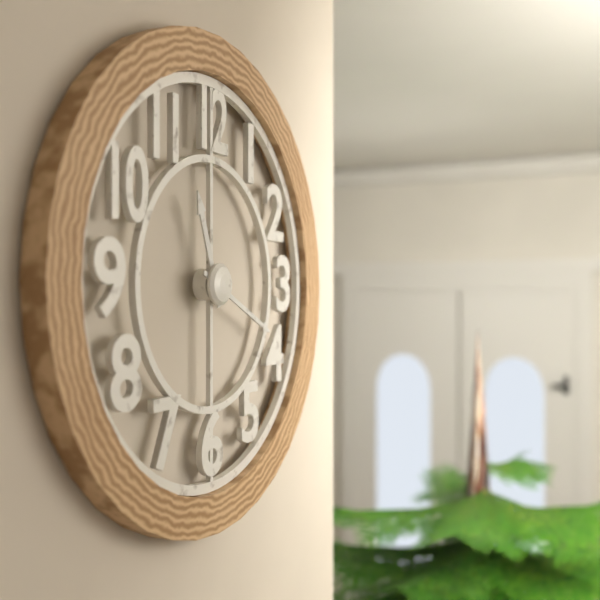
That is 11:19
